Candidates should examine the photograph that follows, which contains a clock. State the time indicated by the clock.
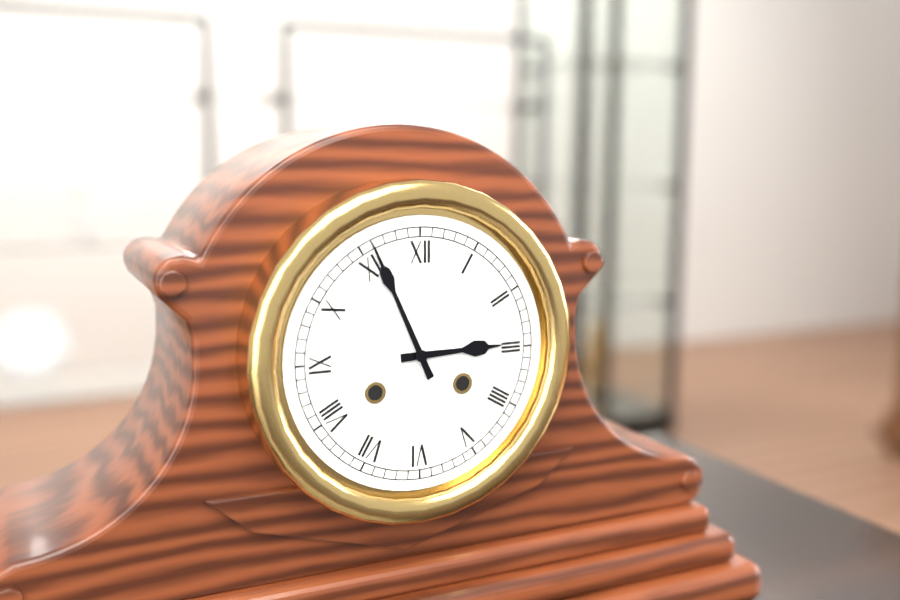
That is 2:56
